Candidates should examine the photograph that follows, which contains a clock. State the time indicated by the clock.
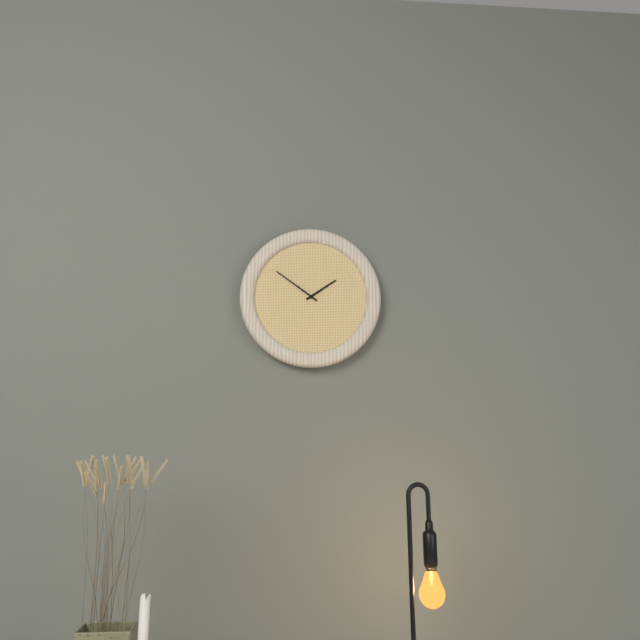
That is 1:51
